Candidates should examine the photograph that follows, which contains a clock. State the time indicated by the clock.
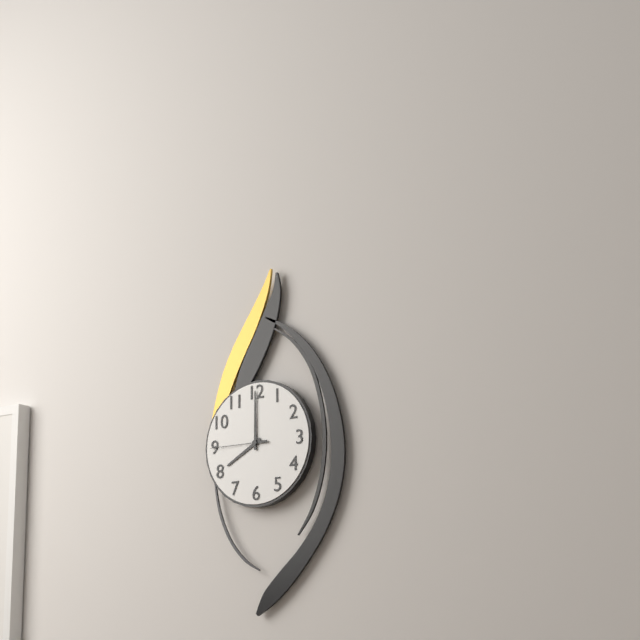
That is 8:00:45
